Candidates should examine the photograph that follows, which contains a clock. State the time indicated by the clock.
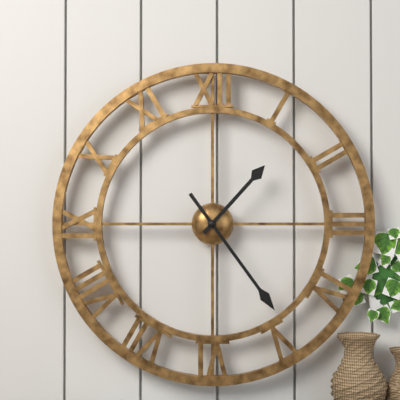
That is 1:24
